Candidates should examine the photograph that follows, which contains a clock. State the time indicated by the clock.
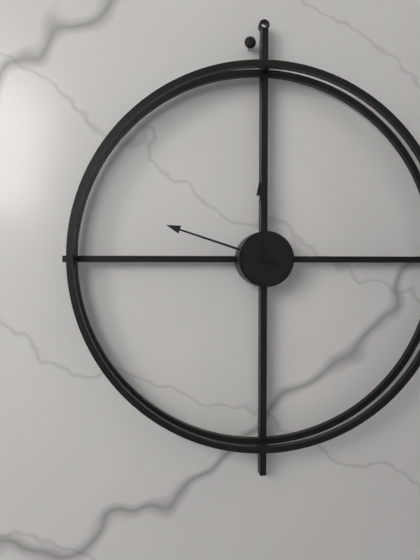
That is 11:48
